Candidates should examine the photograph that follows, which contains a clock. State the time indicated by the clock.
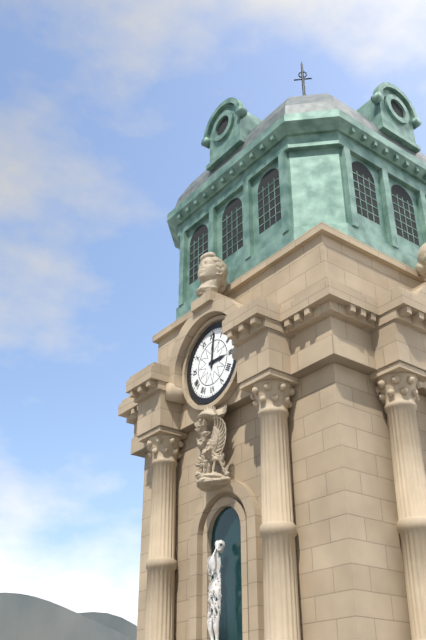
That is 3:01
